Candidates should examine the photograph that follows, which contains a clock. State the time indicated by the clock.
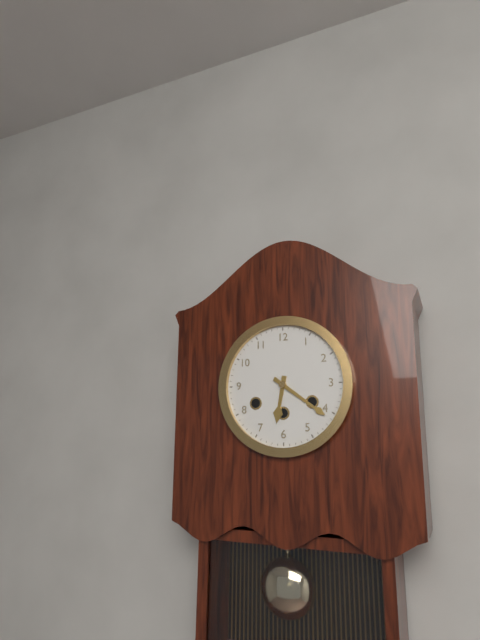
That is 6:21
